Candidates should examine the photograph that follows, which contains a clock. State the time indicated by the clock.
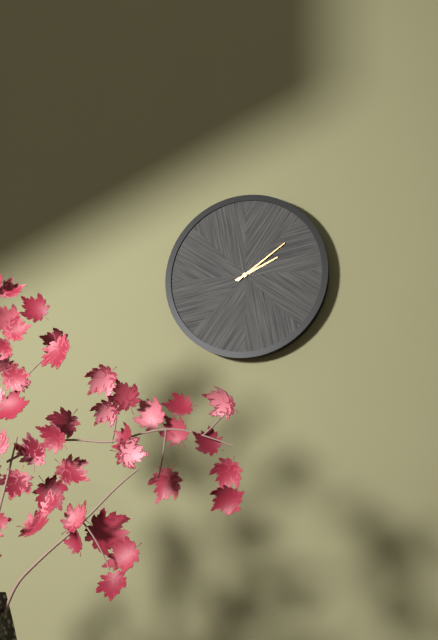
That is 2:09
